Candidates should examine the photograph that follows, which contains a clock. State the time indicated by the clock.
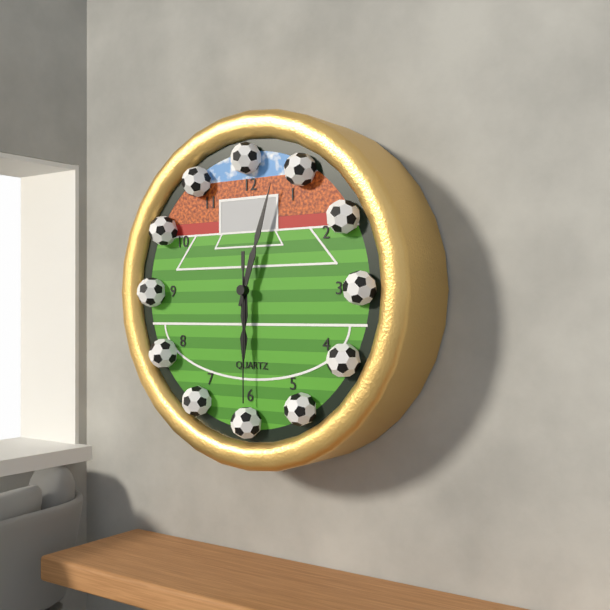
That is 6:03:30
